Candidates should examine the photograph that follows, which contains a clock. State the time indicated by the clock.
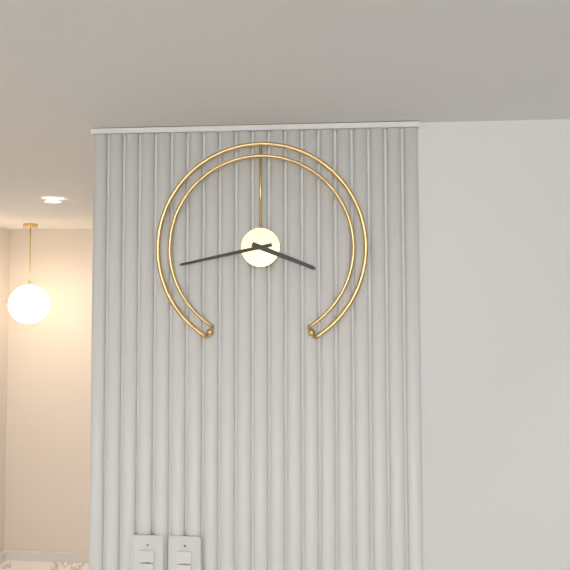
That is 3:43
